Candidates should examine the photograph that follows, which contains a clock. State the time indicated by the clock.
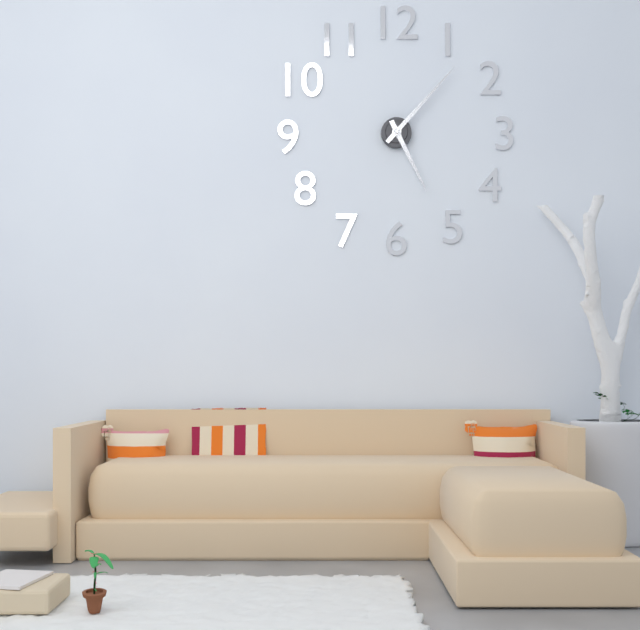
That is 5:07
